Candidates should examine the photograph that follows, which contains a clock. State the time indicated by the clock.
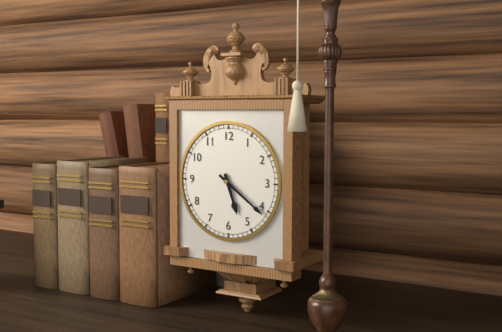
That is 5:21
